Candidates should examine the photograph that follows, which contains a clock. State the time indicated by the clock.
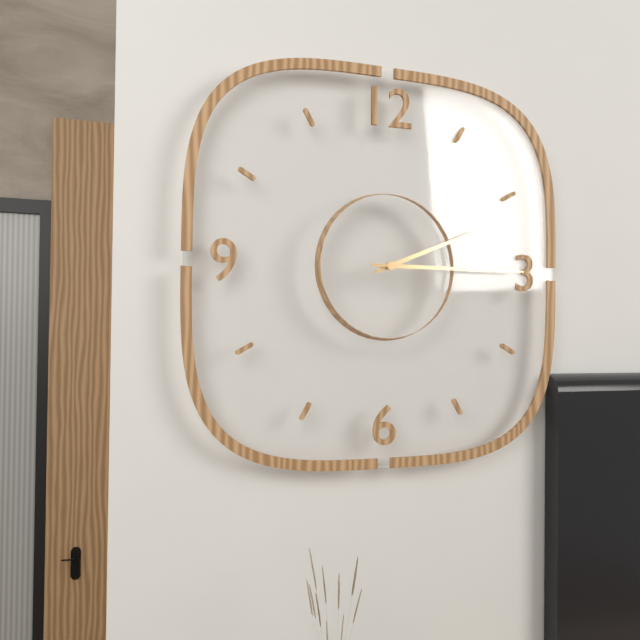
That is 2:15
